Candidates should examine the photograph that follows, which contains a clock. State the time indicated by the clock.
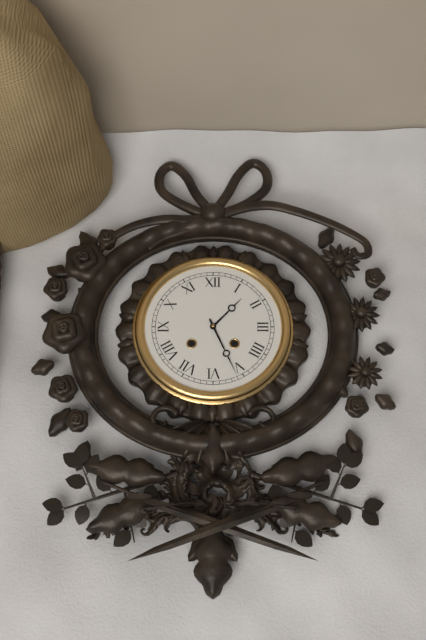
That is 1:26
